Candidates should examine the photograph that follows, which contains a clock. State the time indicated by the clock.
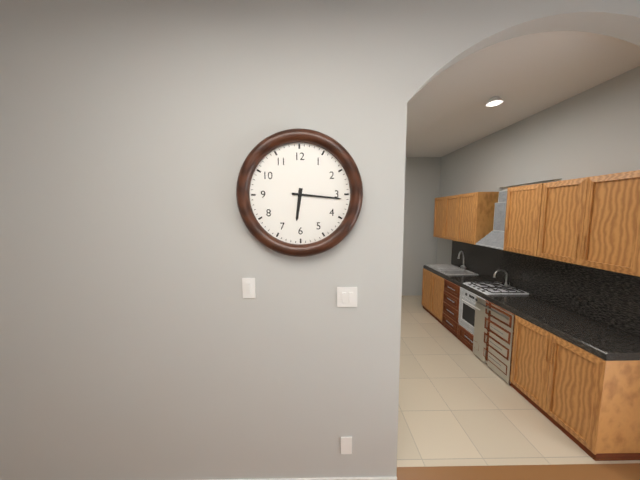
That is 6:16
